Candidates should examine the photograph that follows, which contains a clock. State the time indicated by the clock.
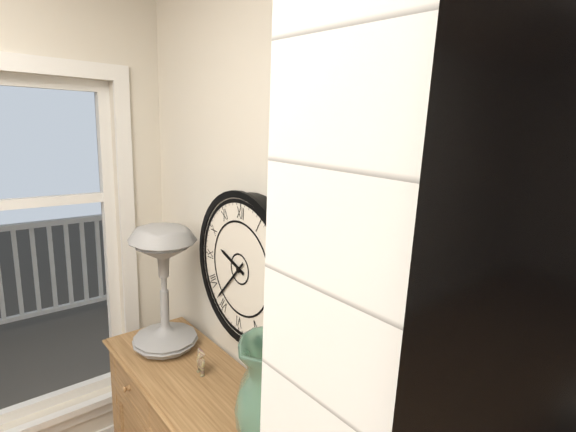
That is 9:37
